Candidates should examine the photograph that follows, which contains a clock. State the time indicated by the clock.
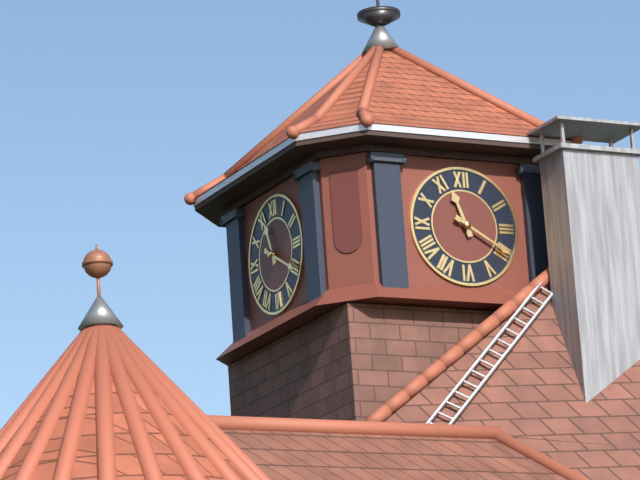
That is 11:20
